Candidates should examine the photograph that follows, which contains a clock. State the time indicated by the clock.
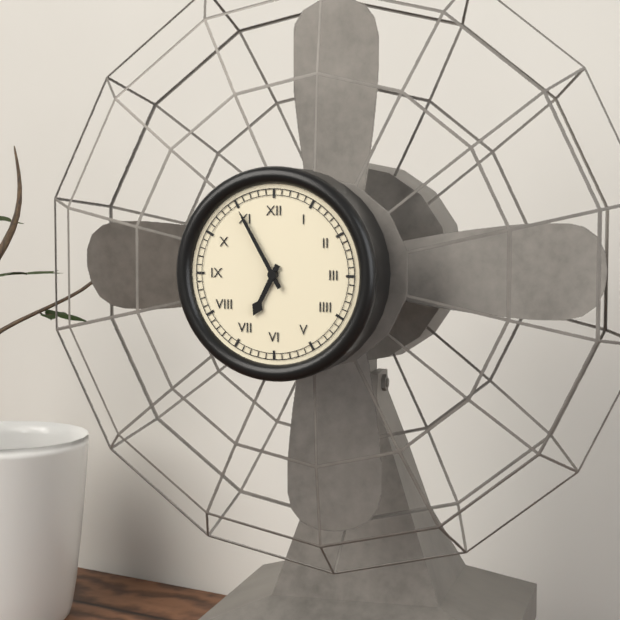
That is 6:55
